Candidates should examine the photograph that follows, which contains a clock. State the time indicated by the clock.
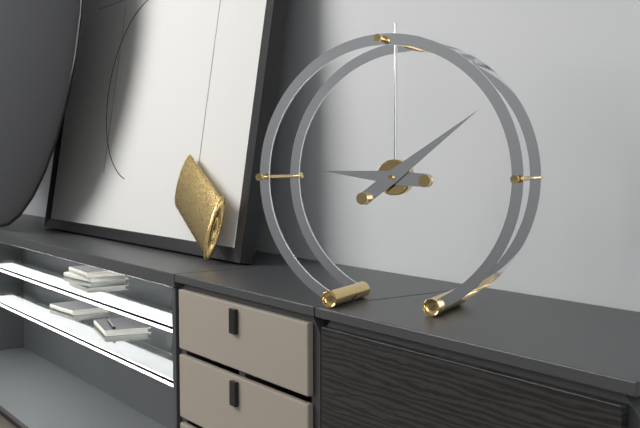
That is 9:09
